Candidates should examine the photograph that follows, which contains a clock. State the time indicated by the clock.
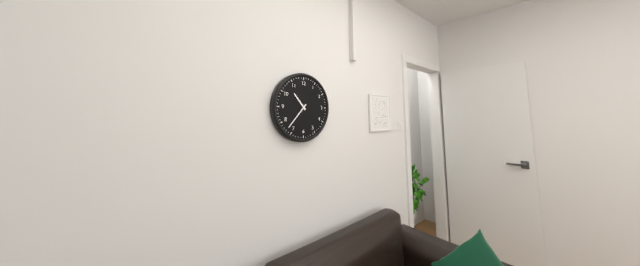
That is 10:37
